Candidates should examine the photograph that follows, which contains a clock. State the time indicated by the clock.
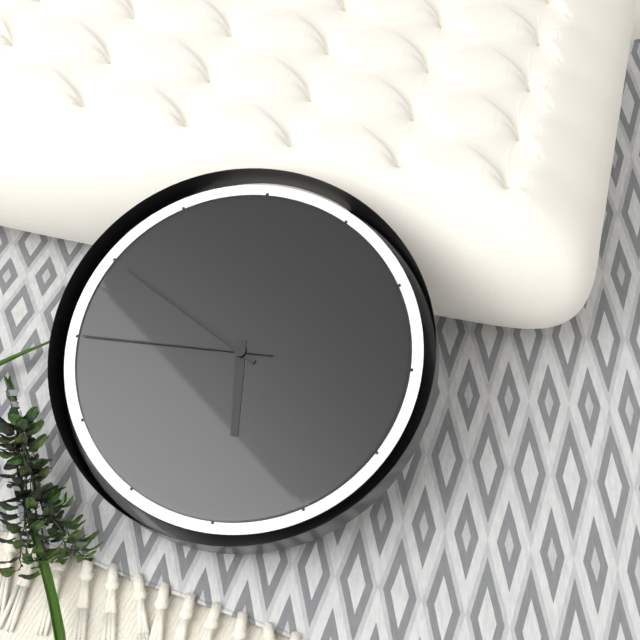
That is 5:50:45
